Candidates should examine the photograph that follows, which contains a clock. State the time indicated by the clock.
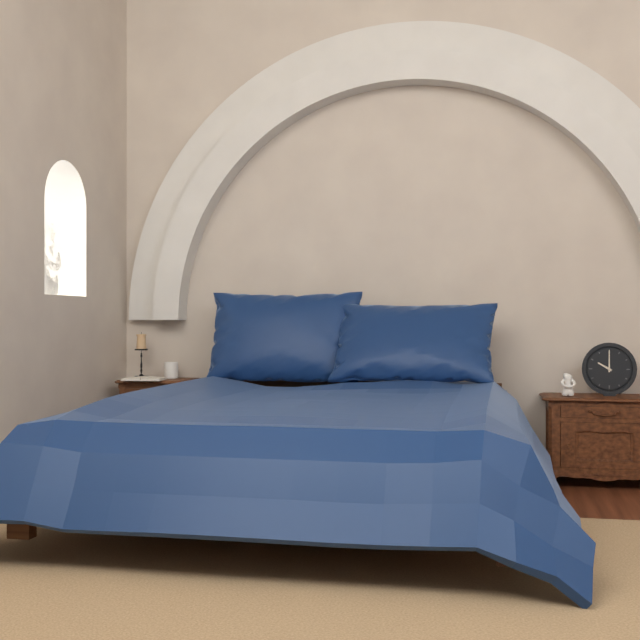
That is 10:00
